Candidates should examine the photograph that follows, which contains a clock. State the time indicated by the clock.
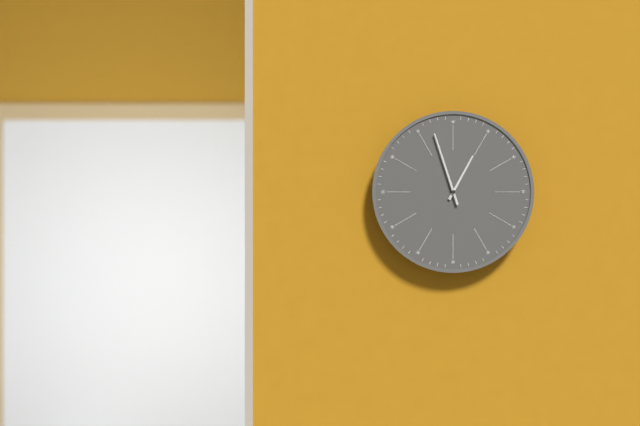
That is 12:57
